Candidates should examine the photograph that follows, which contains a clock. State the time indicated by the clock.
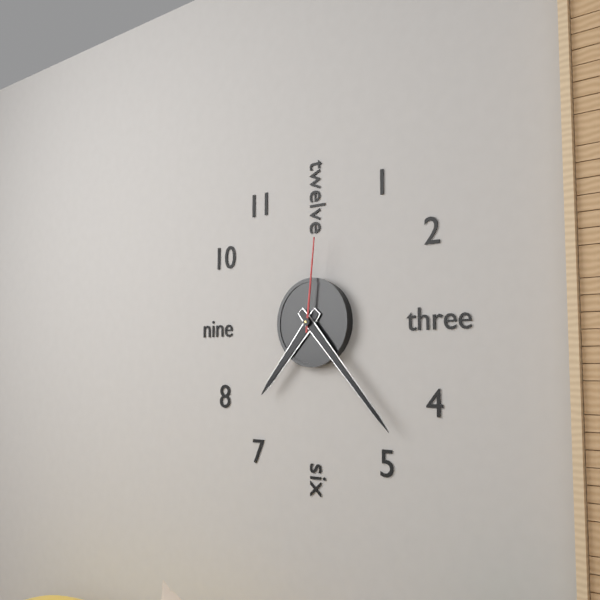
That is 7:23:01
